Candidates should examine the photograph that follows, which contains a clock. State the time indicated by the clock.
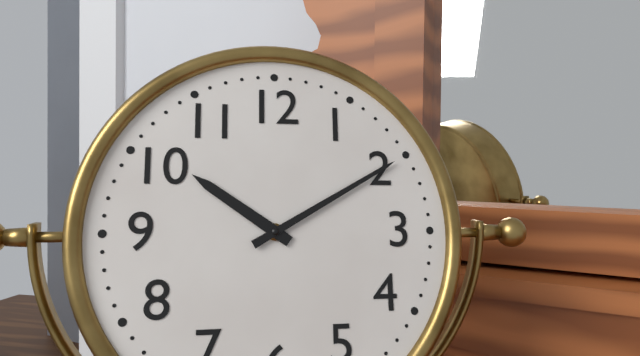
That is 10:10
